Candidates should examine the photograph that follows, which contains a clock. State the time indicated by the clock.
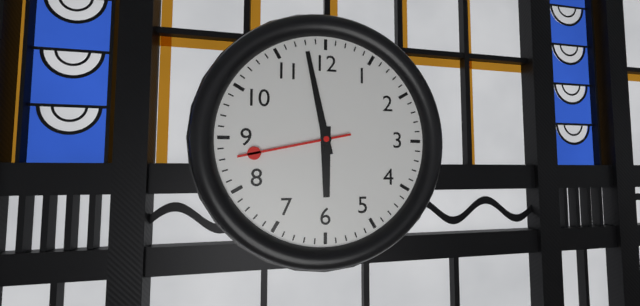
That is 5:58:43
